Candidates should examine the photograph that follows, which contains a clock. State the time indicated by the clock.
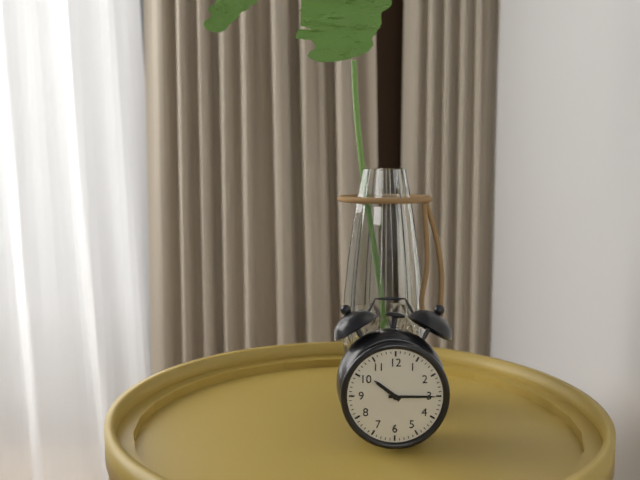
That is 10:15
